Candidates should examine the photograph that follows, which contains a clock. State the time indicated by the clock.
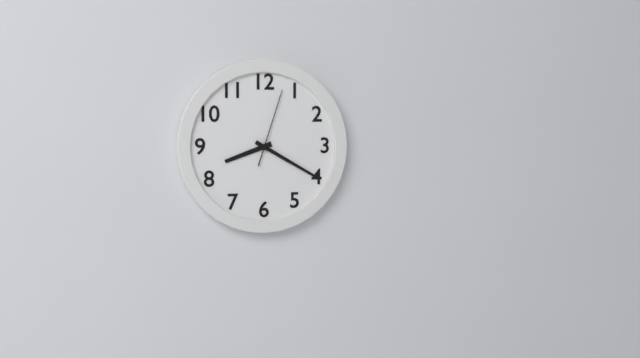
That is 8:20:03
